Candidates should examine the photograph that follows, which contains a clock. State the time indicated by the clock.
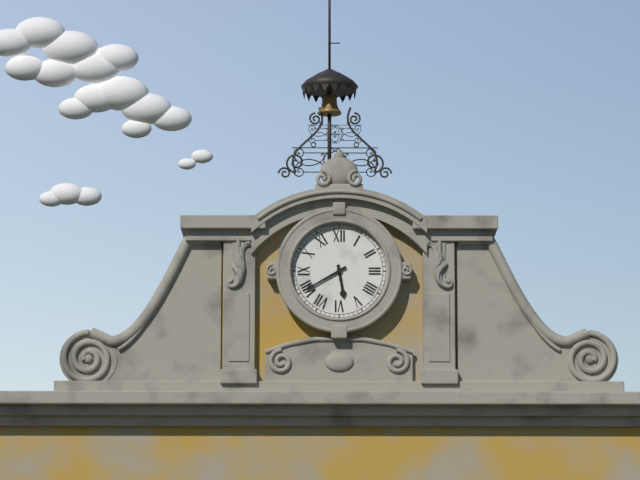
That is 5:40
